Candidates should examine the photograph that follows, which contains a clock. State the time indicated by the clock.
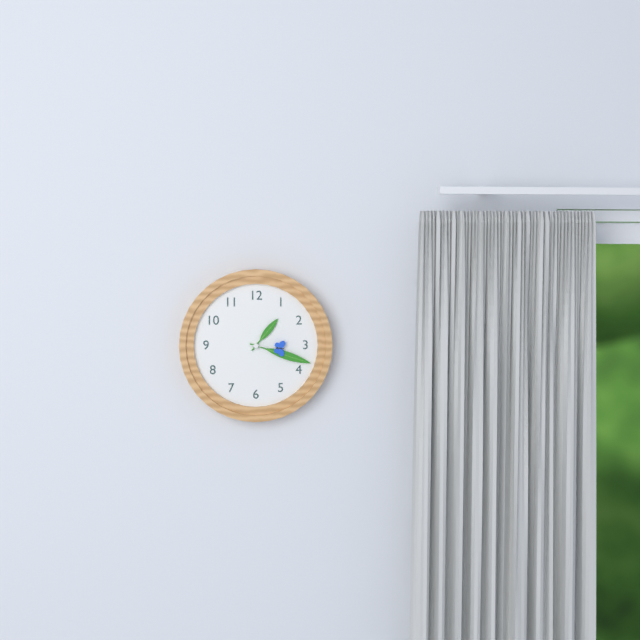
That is 1:18
